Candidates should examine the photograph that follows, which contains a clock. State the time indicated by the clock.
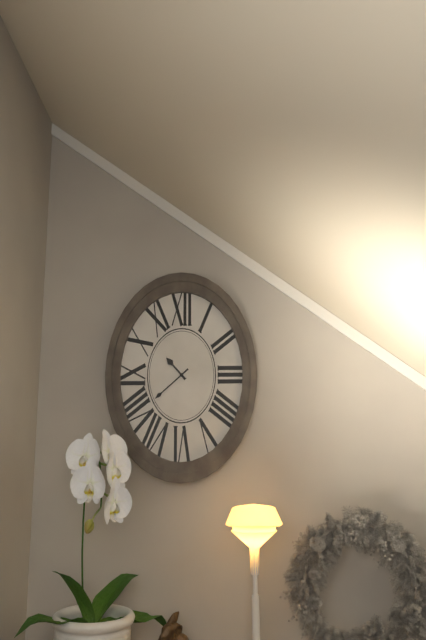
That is 10:38
